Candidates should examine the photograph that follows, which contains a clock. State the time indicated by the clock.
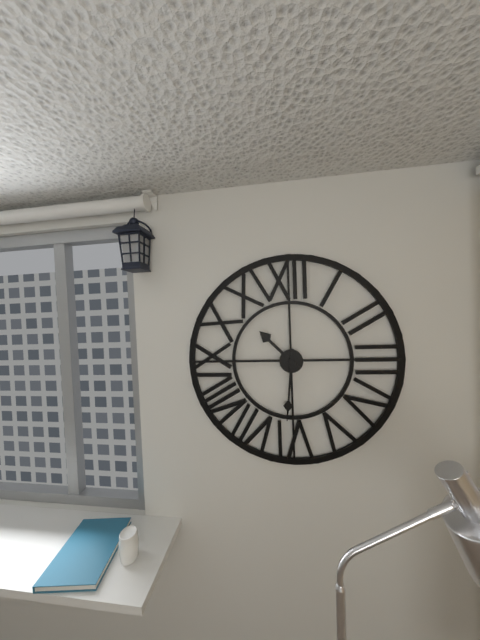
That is 10:31
